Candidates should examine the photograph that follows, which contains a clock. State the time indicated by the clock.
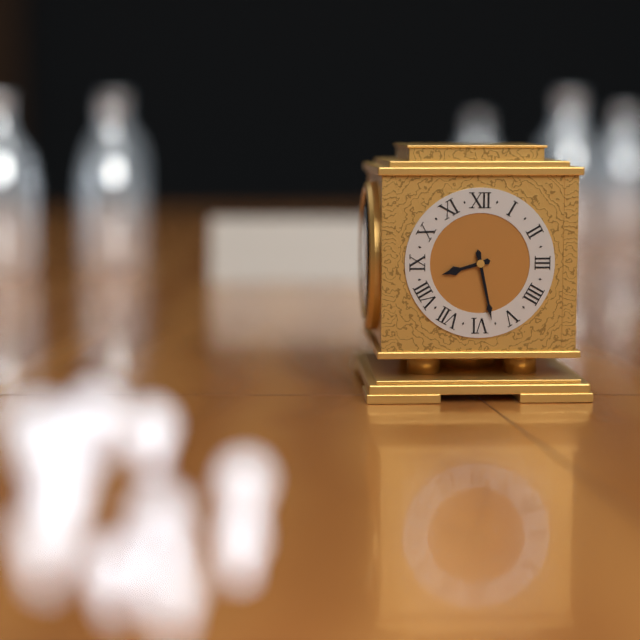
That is 8:28
